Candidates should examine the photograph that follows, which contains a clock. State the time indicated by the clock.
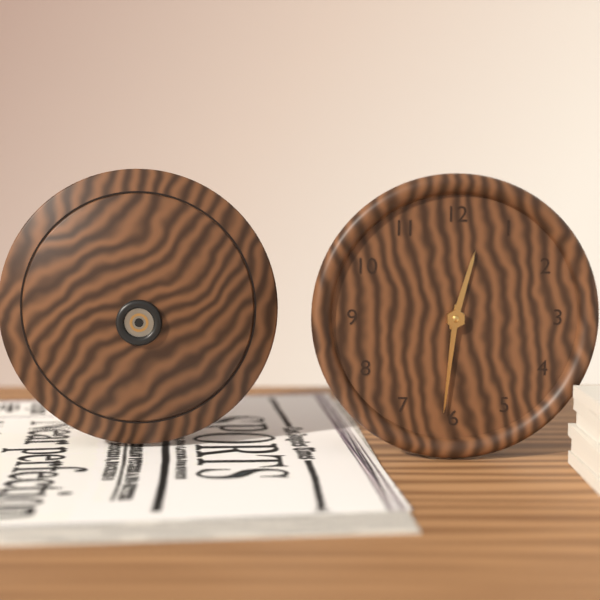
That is 12:31
